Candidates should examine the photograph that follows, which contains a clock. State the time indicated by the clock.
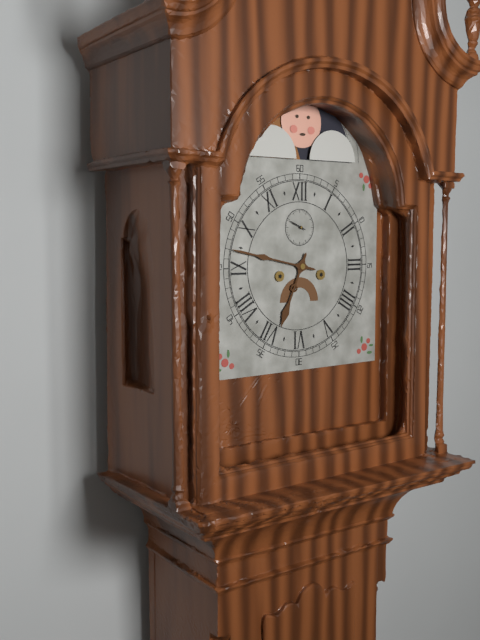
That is 6:47
